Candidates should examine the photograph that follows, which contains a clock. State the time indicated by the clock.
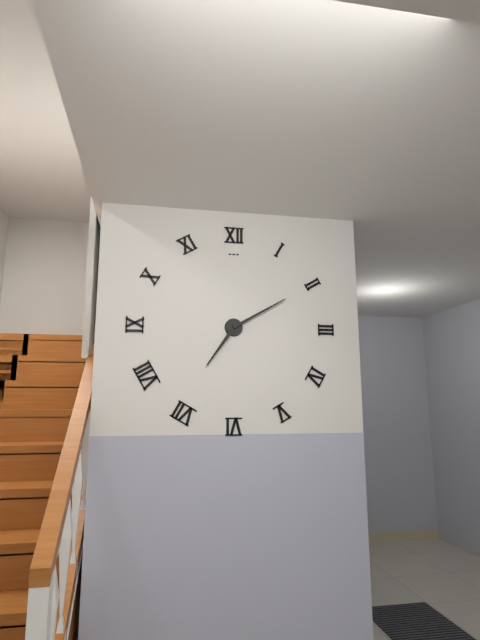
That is 7:10
